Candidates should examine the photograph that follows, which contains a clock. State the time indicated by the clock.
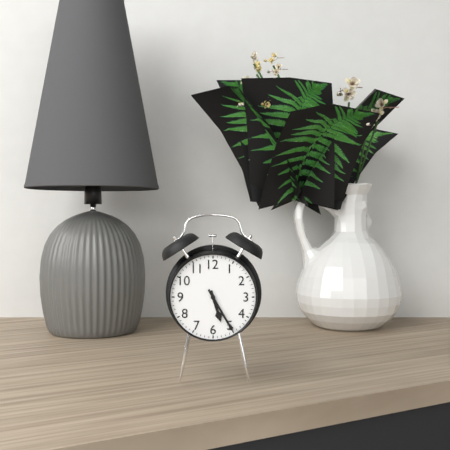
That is 5:25
